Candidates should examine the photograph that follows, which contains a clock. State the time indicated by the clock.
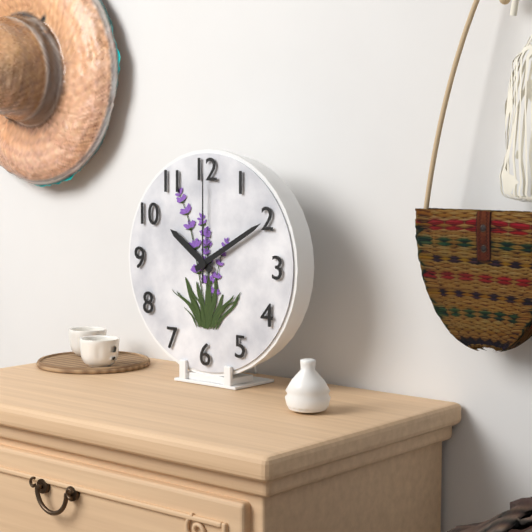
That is 10:10:00
